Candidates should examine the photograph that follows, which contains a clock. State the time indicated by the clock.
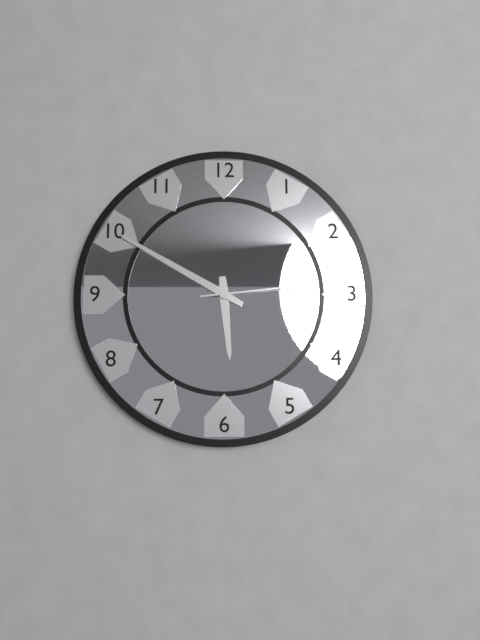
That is 5:50:14
